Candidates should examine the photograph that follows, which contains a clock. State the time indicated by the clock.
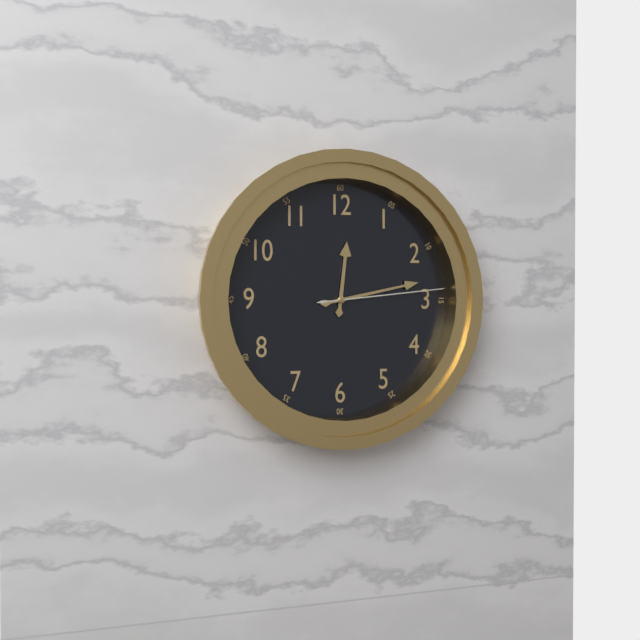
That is 12:13:14
